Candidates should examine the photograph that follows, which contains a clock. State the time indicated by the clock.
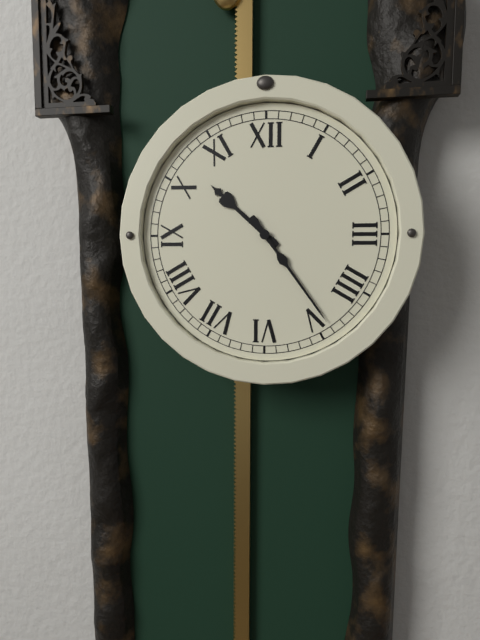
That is 10:24
